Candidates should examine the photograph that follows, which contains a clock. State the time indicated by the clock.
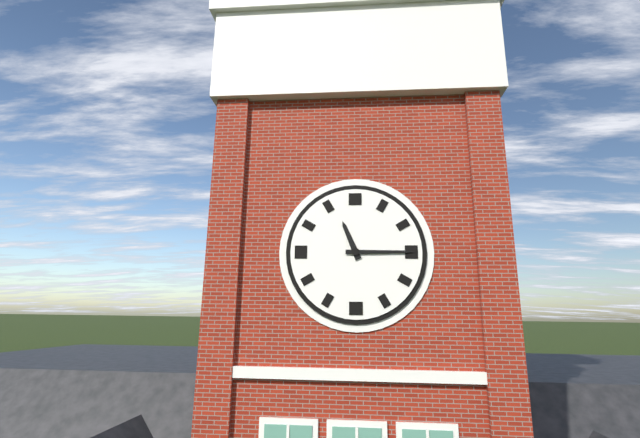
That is 11:15
